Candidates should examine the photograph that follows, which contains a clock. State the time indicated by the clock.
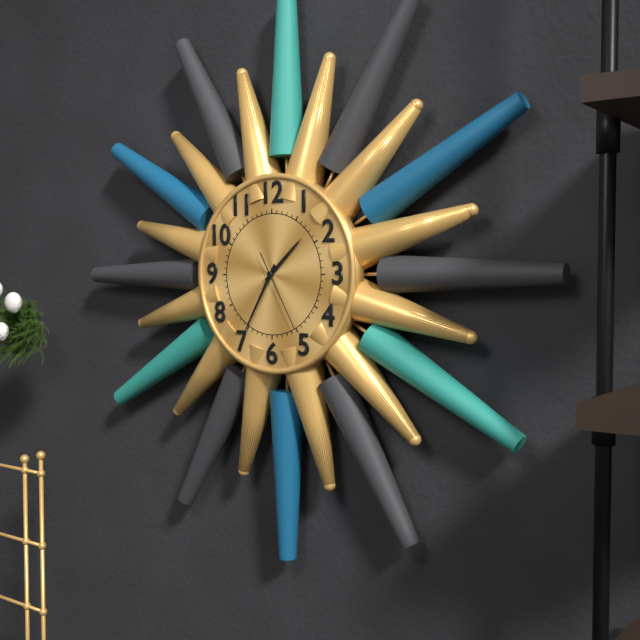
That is 1:35:25
